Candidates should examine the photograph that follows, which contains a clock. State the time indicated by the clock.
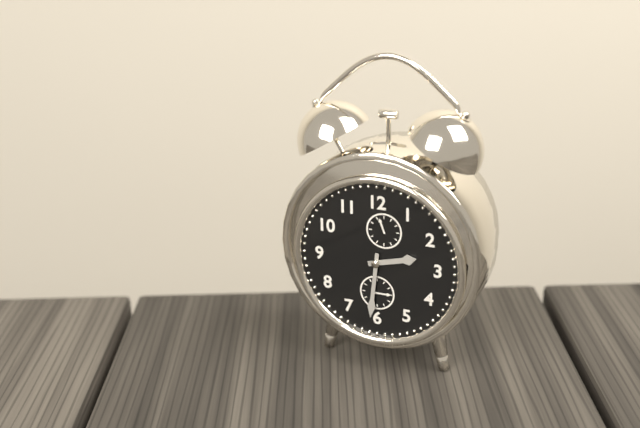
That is 2:31
